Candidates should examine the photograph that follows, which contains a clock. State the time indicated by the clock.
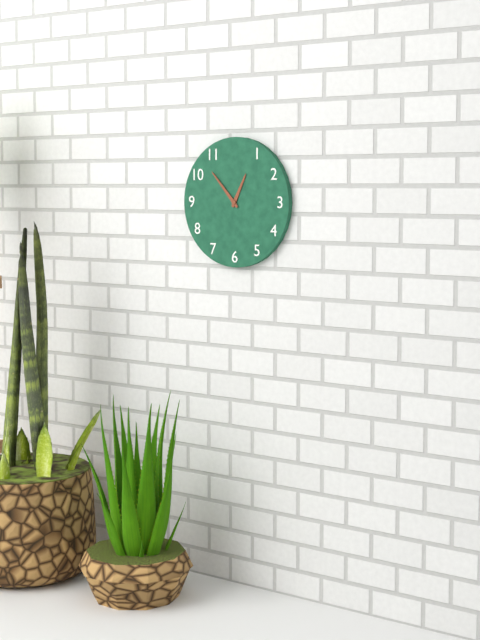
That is 12:53
